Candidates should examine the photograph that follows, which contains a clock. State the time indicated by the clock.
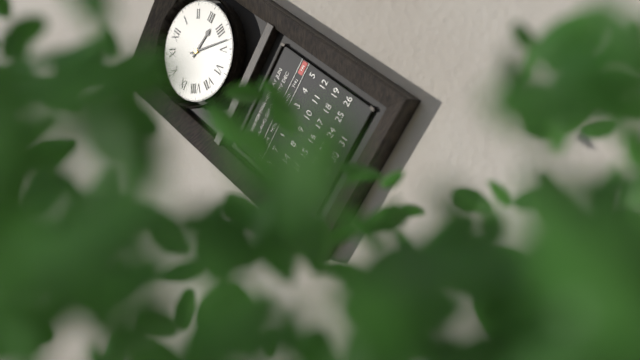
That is 3:23
